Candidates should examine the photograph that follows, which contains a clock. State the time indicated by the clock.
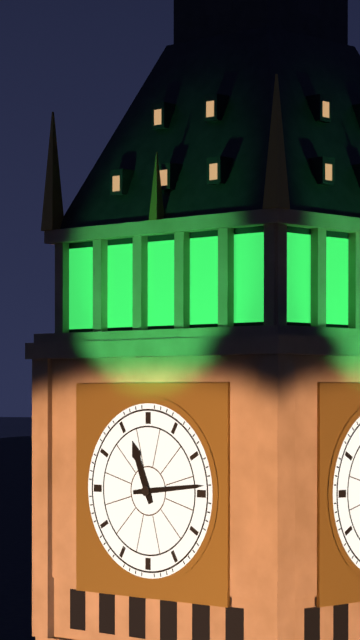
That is 11:14
